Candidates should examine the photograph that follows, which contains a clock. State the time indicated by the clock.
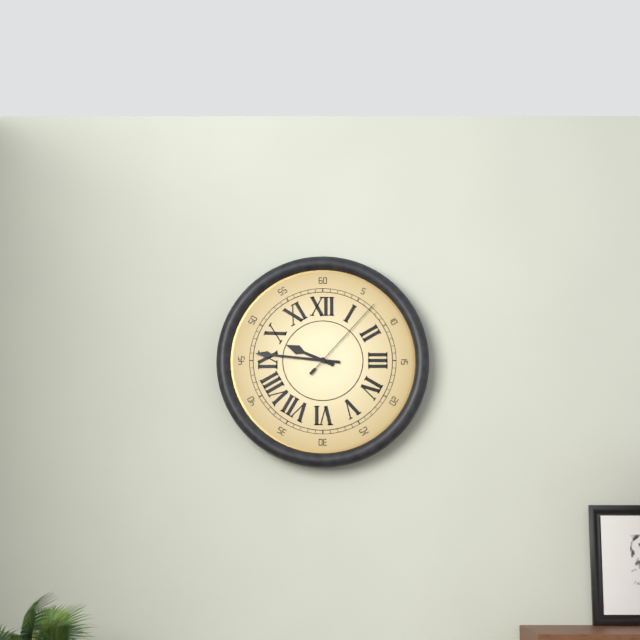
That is 9:46:07
